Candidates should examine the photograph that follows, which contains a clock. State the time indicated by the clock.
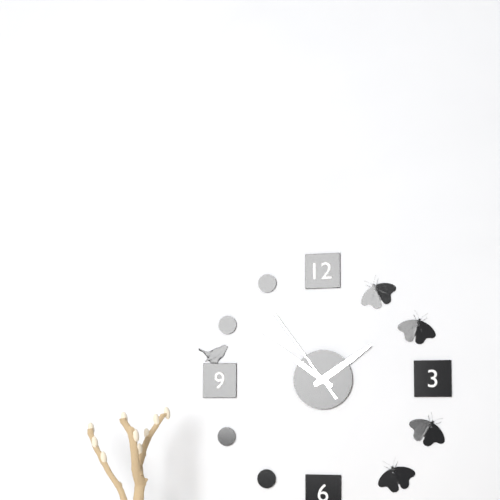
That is 1:51:54
